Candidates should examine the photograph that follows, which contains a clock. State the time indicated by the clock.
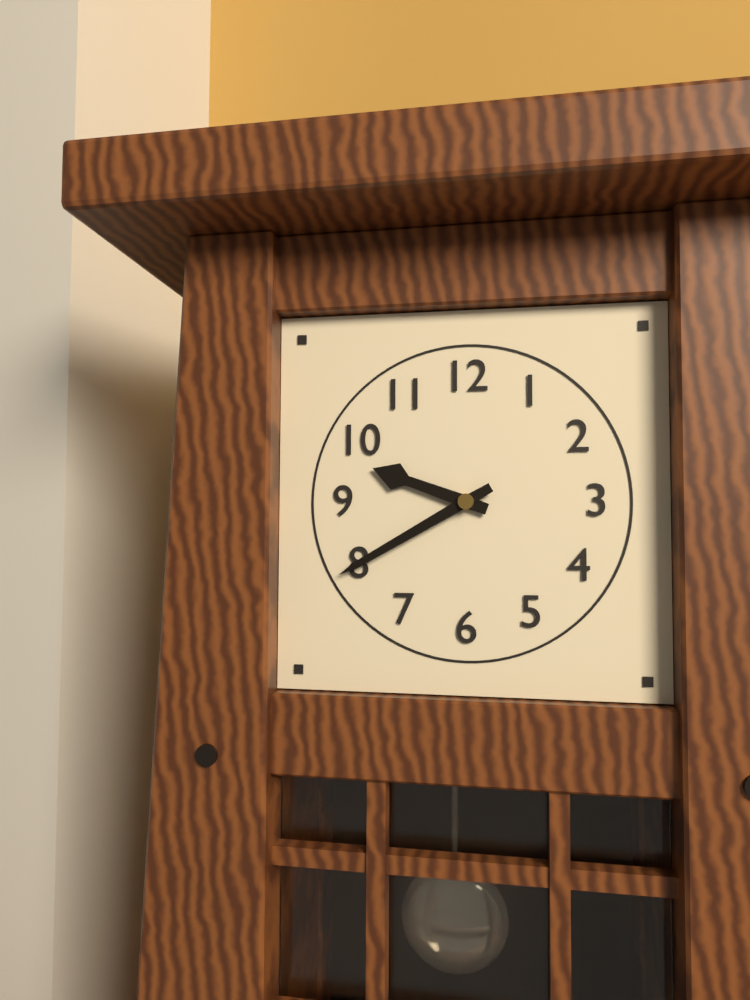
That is 9:40
